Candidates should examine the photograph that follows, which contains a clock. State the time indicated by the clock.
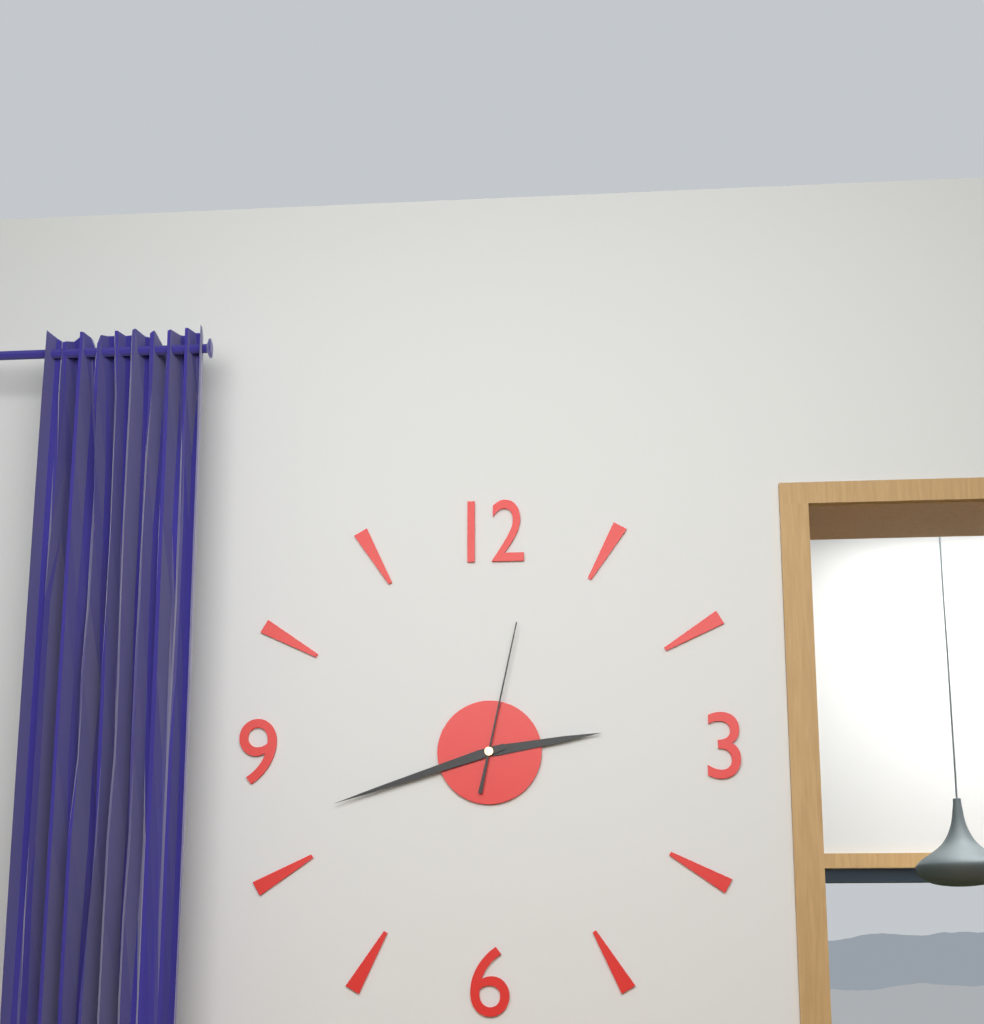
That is 2:42:02
